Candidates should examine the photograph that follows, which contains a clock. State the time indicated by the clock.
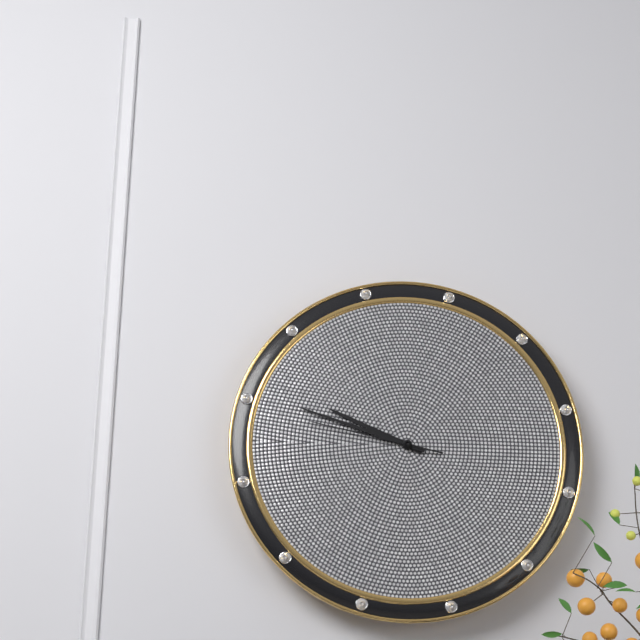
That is 9:48:47
